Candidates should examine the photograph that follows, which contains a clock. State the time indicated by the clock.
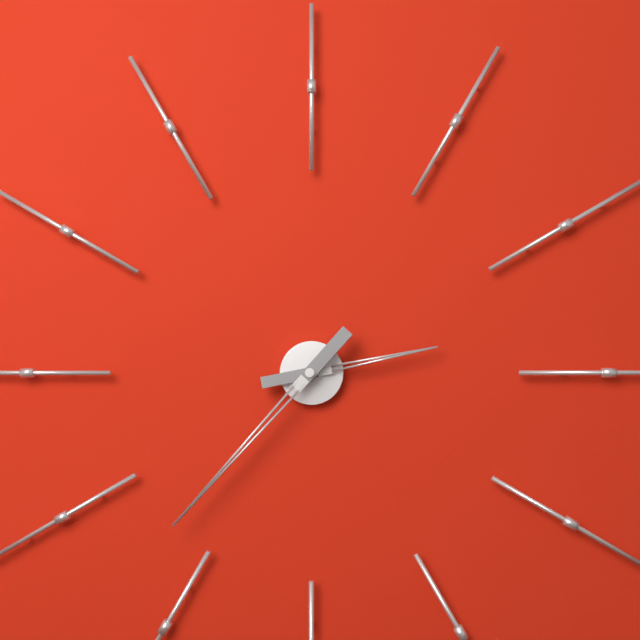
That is 2:37
